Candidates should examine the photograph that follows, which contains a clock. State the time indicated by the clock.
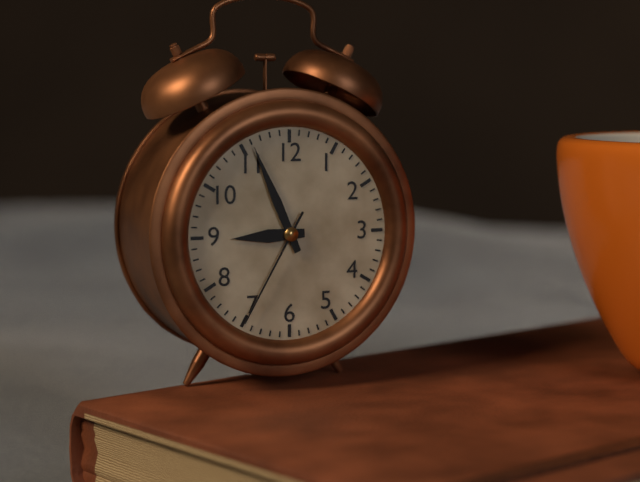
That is 8:56:35
